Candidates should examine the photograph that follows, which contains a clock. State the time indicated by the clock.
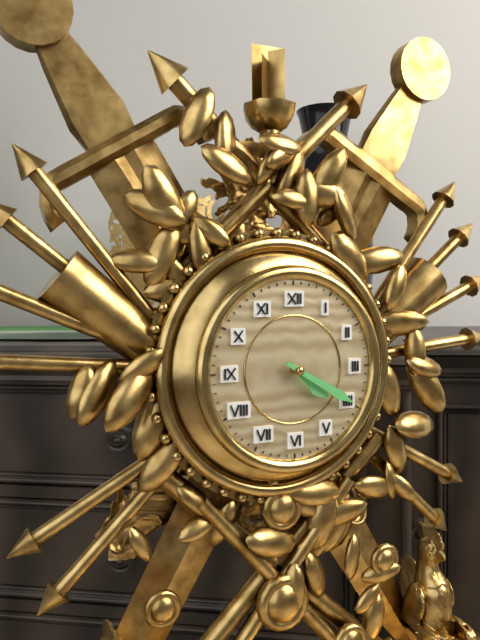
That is 4:20
